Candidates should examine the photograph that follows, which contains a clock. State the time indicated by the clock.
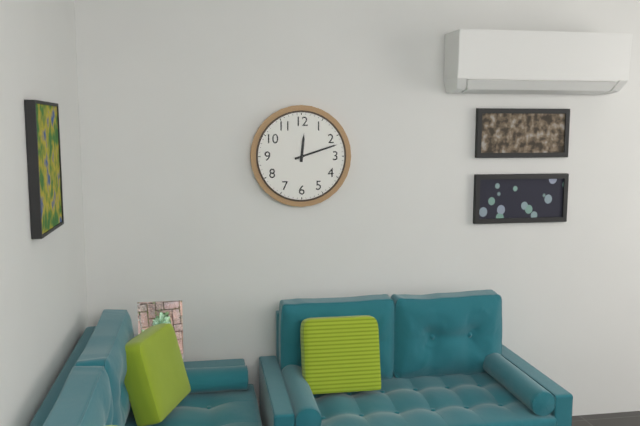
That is 12:12
